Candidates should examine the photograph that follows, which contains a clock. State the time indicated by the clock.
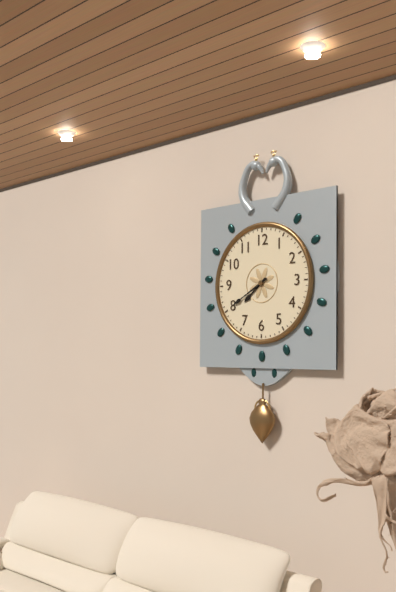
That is 7:40
